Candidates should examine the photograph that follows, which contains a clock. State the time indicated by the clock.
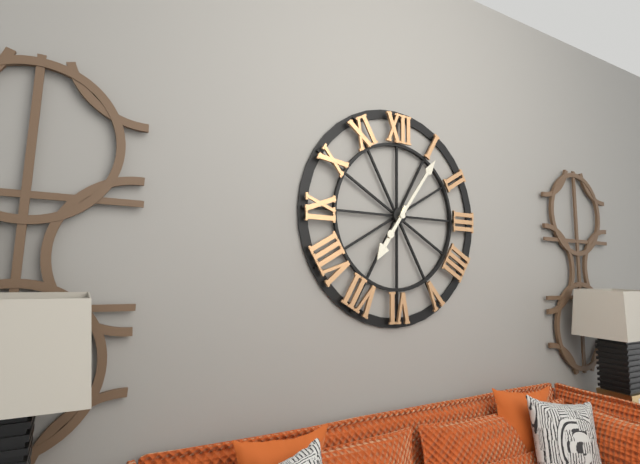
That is 7:06
